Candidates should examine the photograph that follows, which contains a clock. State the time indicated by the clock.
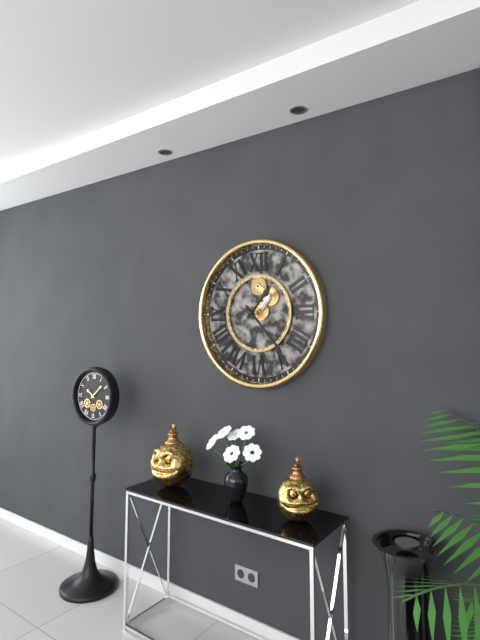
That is 1:23
